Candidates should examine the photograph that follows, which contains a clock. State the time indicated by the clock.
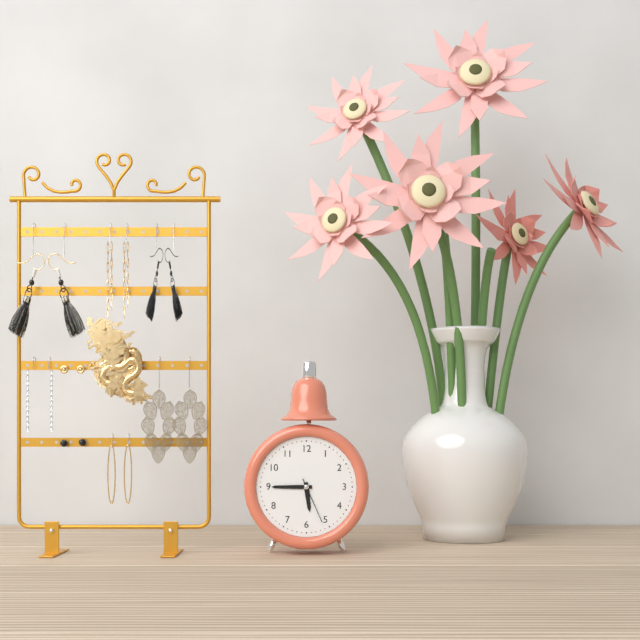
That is 5:45
